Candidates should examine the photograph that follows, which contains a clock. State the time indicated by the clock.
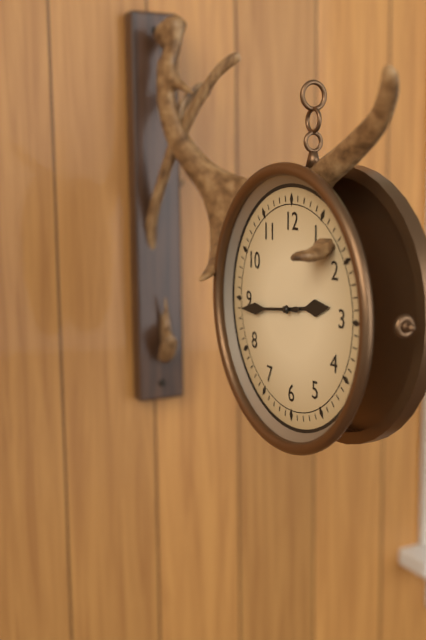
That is 2:44
